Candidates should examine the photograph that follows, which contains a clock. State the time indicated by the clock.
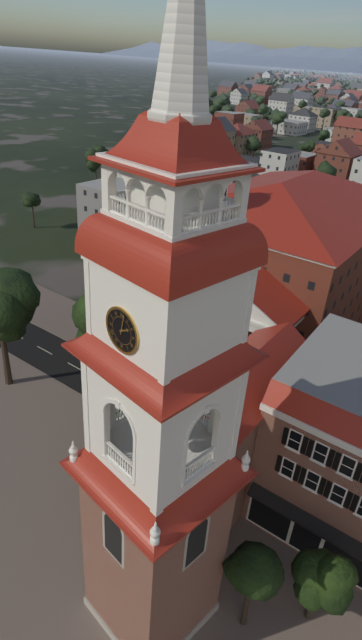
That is 2:02
